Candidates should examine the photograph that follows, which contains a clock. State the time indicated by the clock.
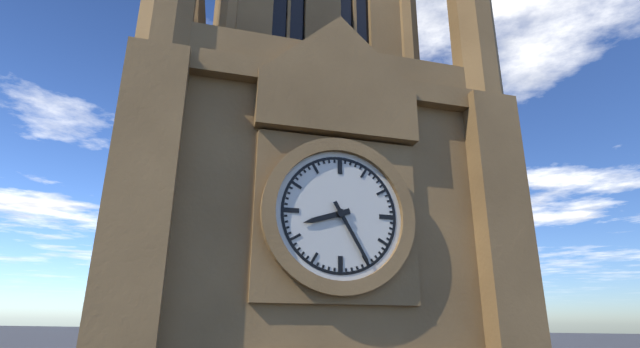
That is 8:25
